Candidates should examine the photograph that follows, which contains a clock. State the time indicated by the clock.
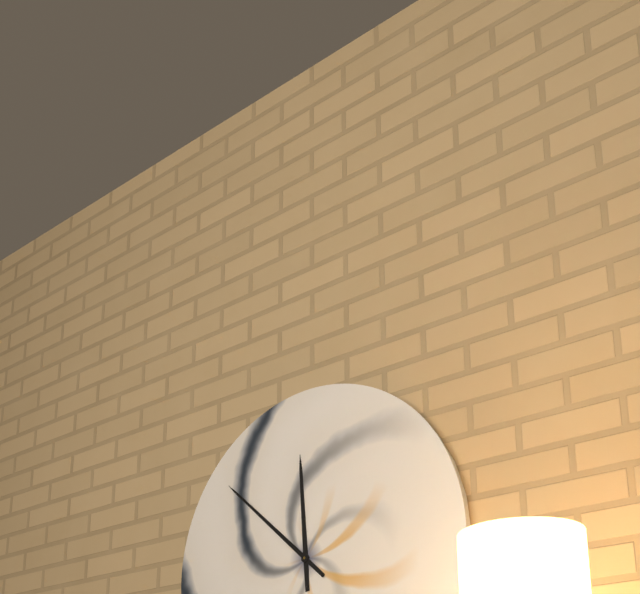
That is 11:52
